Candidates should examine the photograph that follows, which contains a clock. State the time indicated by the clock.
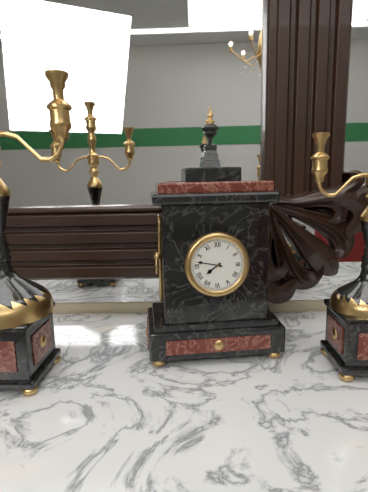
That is 7:47
